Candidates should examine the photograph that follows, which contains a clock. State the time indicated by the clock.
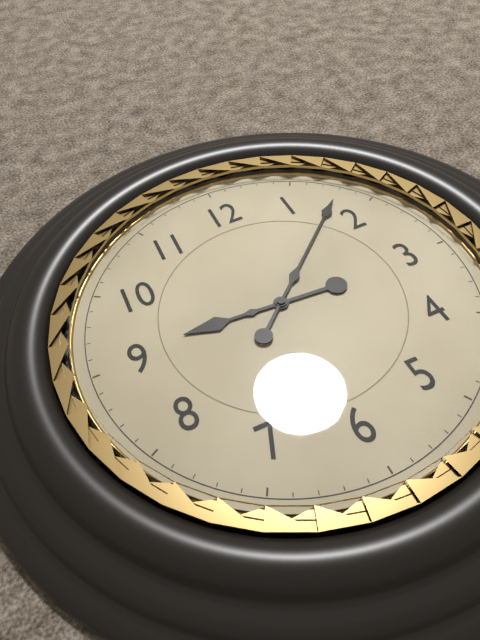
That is 9:08
